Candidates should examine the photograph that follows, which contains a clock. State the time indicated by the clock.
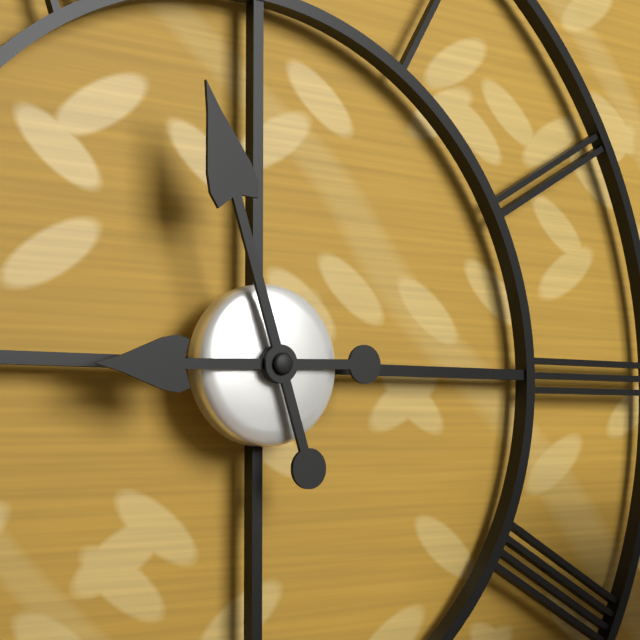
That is 8:57
